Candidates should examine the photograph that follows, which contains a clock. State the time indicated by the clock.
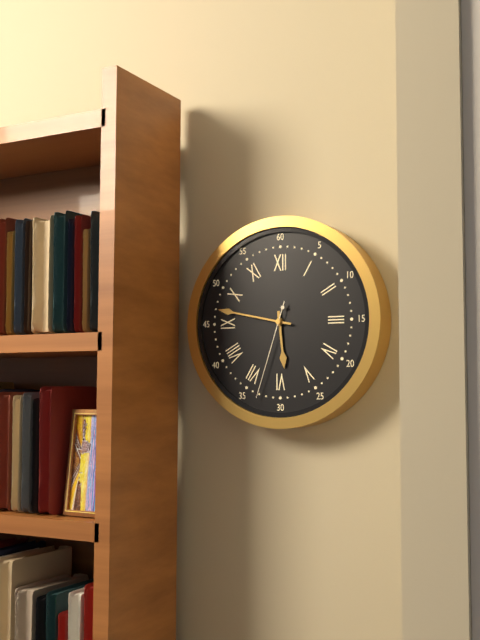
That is 5:47:33
